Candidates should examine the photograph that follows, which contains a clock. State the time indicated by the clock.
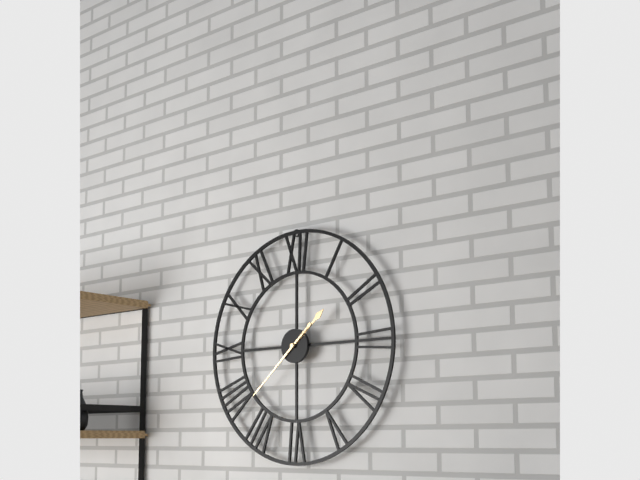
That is 1:38
